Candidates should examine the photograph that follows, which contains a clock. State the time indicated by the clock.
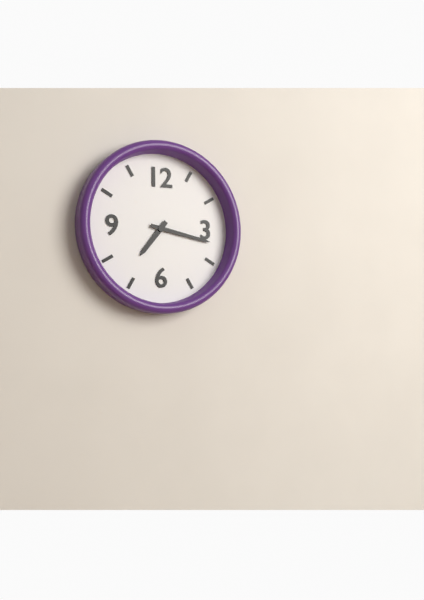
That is 7:17
